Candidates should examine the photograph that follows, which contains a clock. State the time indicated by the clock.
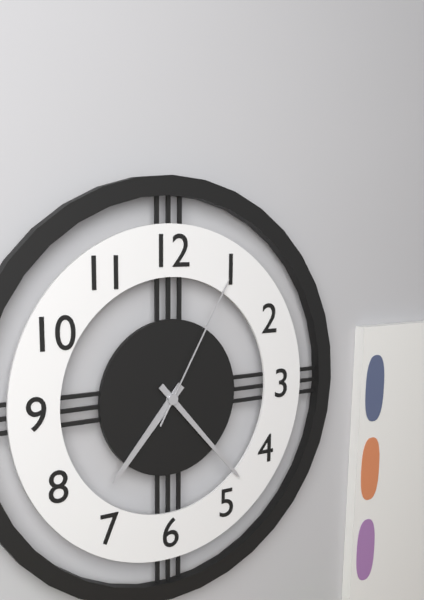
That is 7:23:05
